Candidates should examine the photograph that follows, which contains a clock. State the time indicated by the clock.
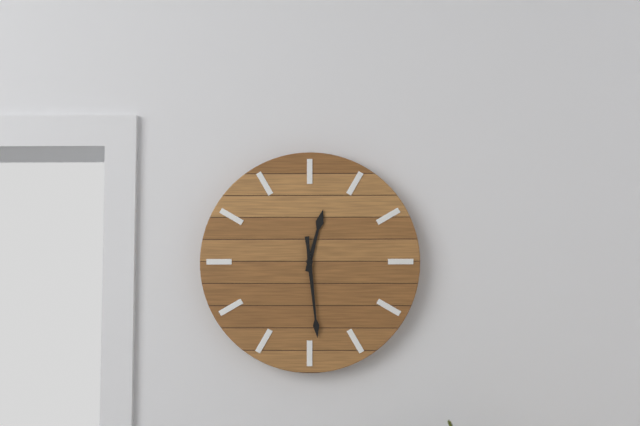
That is 12:29
